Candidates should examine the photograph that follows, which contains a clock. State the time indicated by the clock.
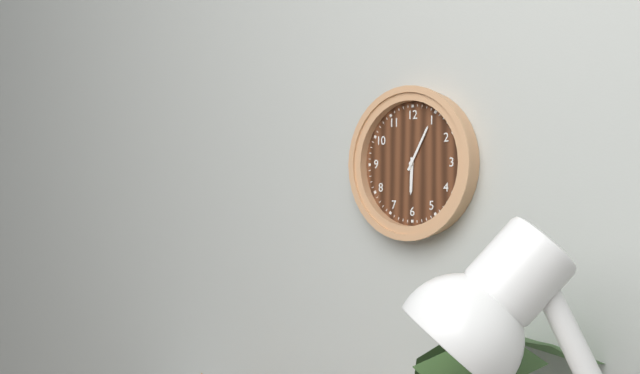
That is 6:05
